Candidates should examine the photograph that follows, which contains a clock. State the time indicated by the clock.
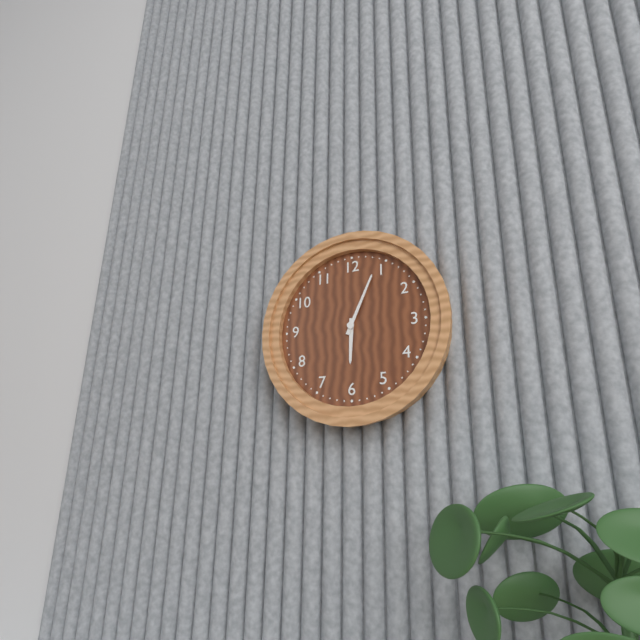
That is 6:04
